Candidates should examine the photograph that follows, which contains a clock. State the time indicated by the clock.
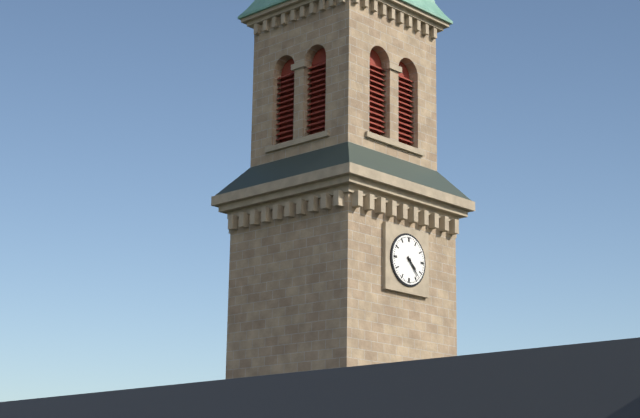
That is 4:23
